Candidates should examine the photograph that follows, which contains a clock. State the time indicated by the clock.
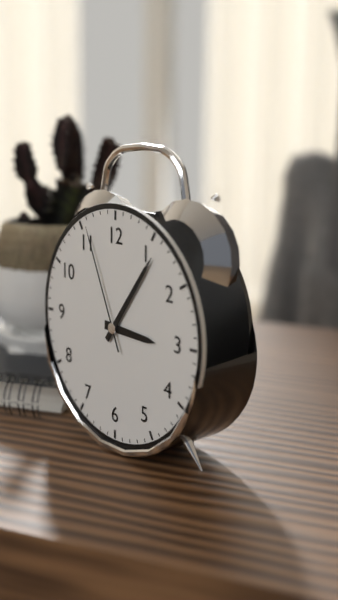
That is 3:06:56
